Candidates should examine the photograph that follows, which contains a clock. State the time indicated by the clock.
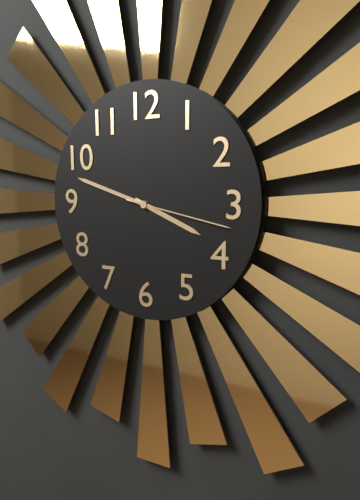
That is 3:48:17
